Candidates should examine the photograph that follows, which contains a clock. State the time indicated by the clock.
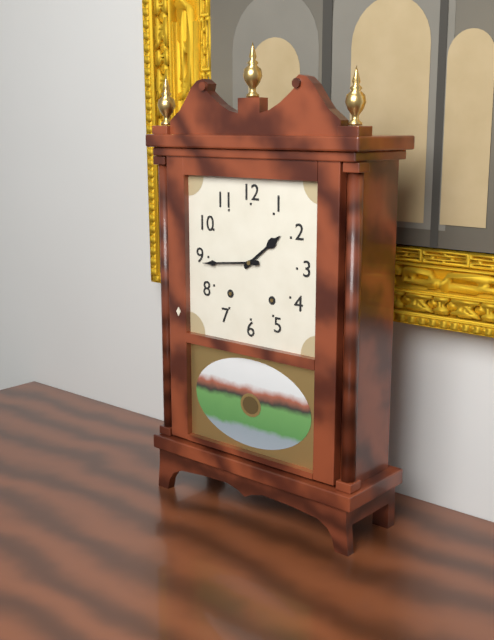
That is 1:44
